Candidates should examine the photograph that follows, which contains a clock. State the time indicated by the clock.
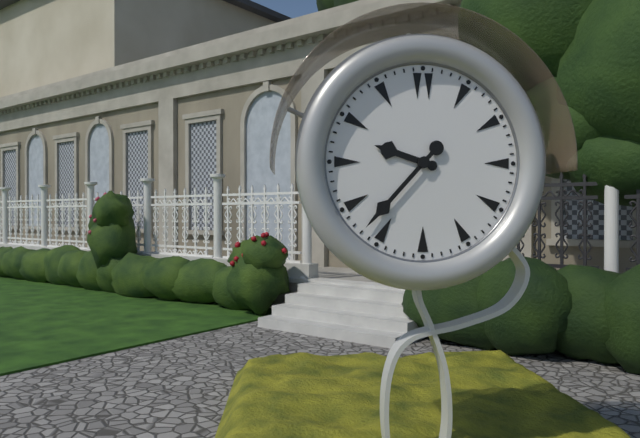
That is 9:37
